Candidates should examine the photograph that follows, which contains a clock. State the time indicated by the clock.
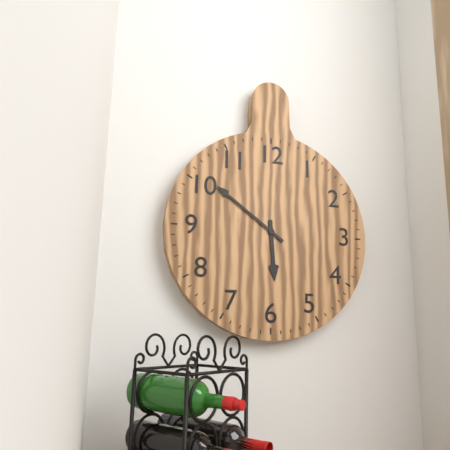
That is 5:51
